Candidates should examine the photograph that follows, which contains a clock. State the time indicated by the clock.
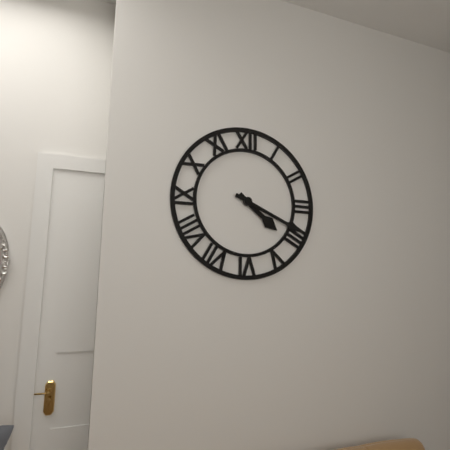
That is 4:19
